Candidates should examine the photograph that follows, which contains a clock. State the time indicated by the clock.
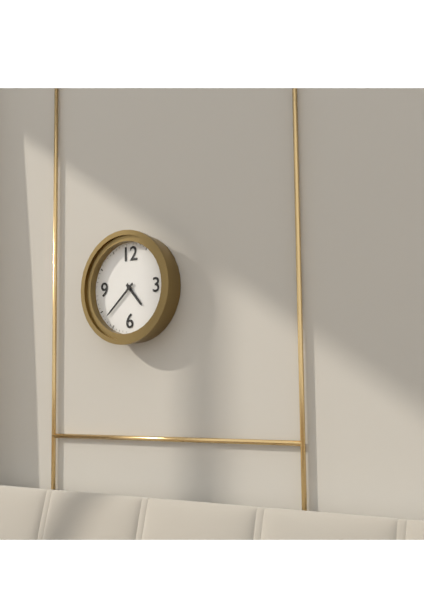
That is 4:38
